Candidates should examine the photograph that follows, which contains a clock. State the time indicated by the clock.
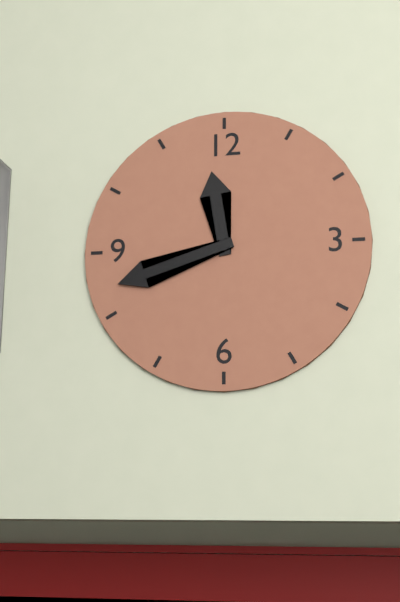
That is 11:42
